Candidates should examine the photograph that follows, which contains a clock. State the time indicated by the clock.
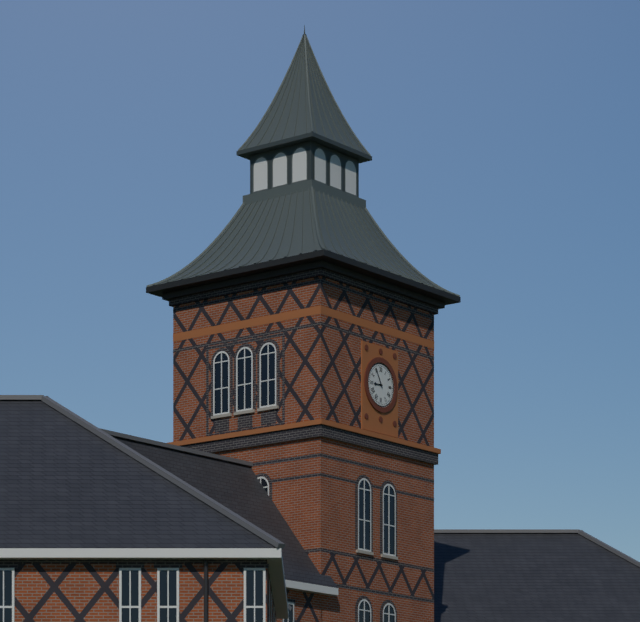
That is 8:55
